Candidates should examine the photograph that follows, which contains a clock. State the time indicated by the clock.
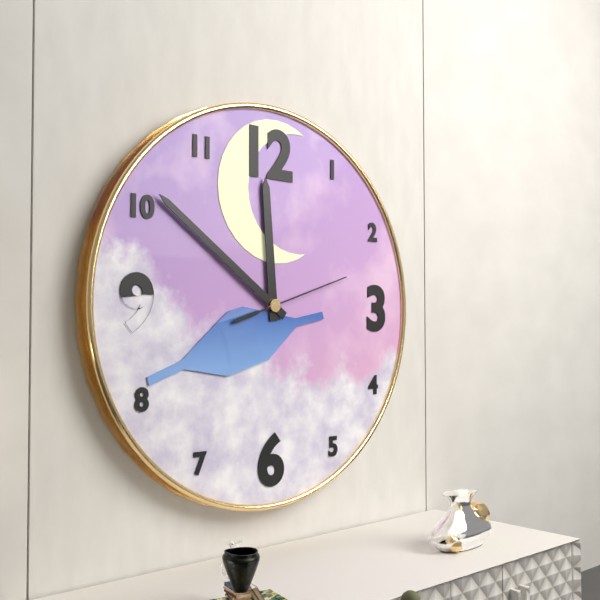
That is 11:51:12
